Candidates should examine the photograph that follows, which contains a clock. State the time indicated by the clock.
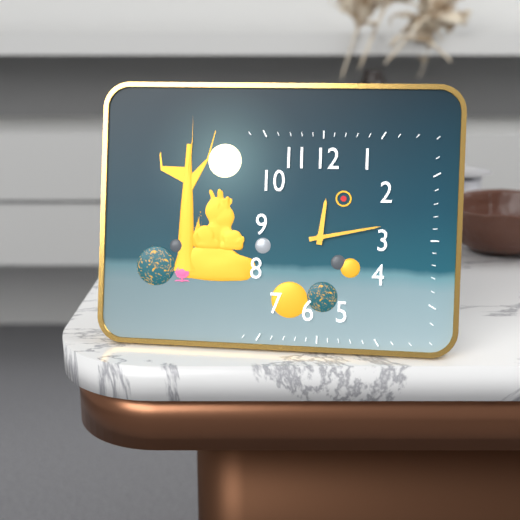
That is 12:13
